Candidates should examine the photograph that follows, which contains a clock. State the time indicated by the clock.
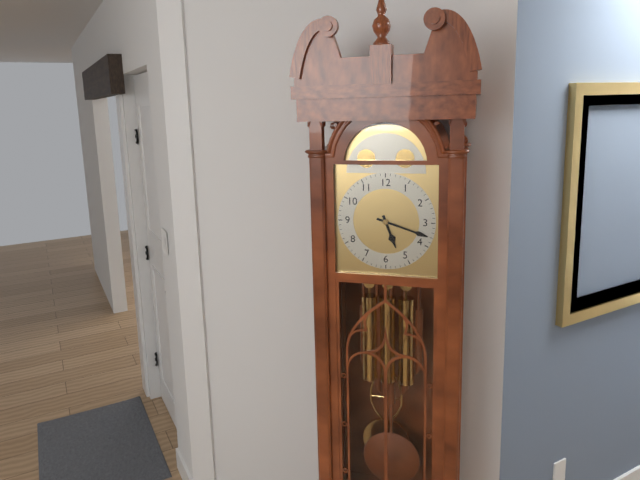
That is 5:18
